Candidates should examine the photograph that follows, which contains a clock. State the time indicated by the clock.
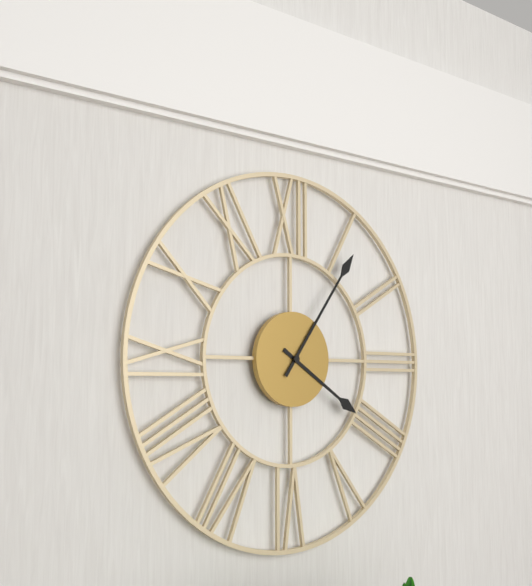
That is 4:06
